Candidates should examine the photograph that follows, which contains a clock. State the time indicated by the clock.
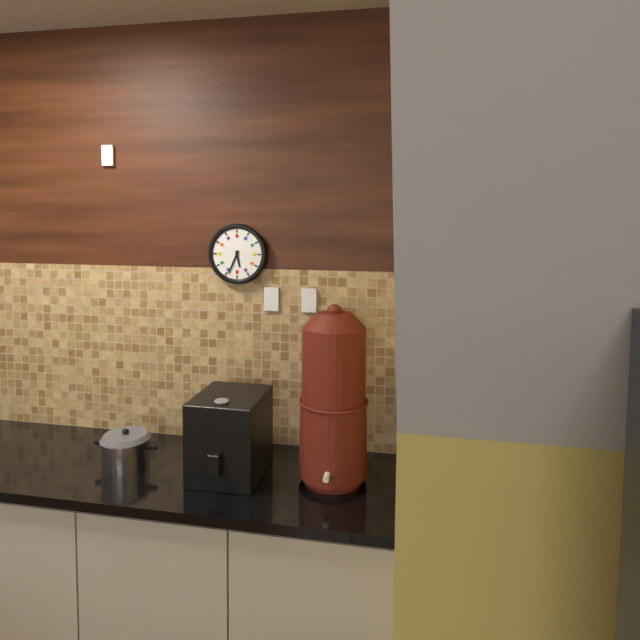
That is 5:34
